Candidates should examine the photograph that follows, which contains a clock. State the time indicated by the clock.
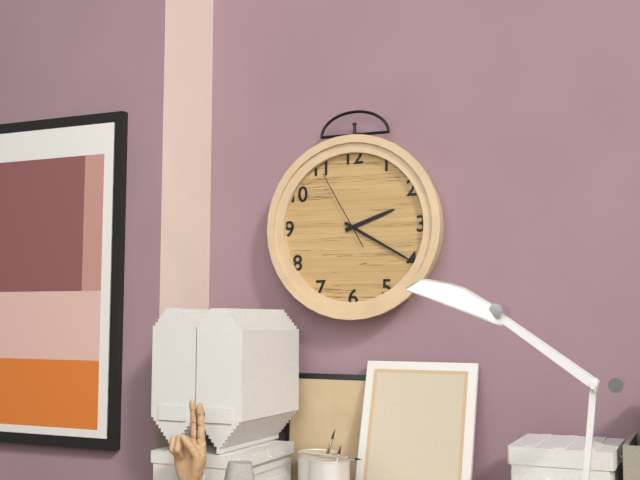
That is 2:20:55
